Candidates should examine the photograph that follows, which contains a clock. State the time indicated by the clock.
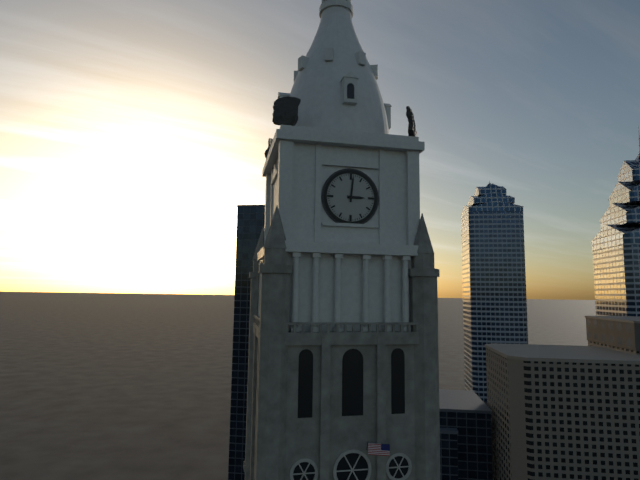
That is 3:01
